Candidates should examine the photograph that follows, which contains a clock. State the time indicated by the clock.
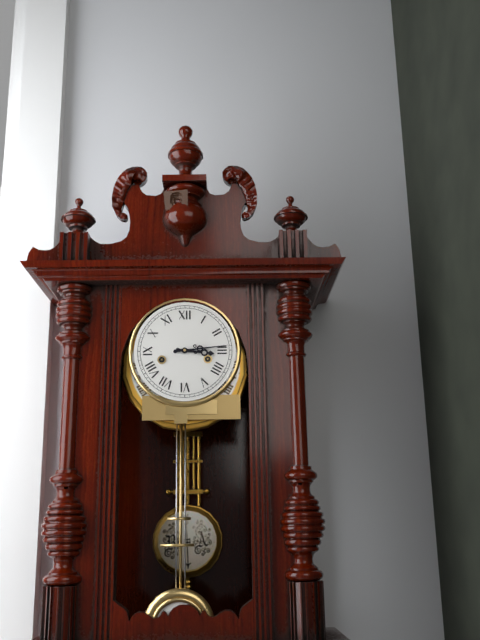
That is 3:14
